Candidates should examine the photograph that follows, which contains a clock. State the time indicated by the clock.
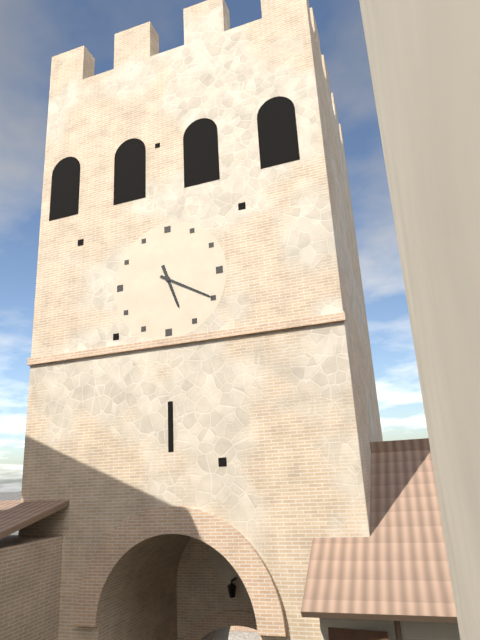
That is 5:20
